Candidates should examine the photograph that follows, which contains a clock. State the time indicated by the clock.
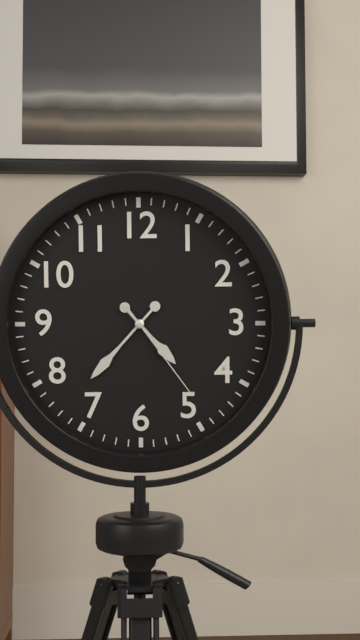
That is 4:37:24
